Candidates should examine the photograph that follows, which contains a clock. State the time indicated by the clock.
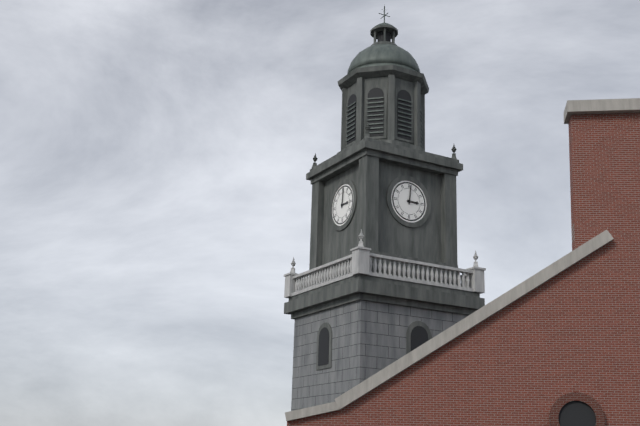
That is 3:01
